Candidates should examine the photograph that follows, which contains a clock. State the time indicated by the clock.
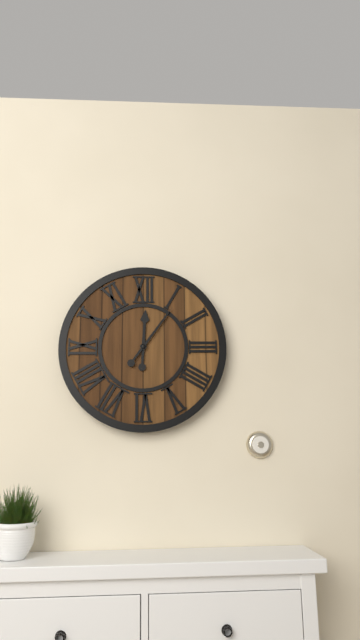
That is 12:06
